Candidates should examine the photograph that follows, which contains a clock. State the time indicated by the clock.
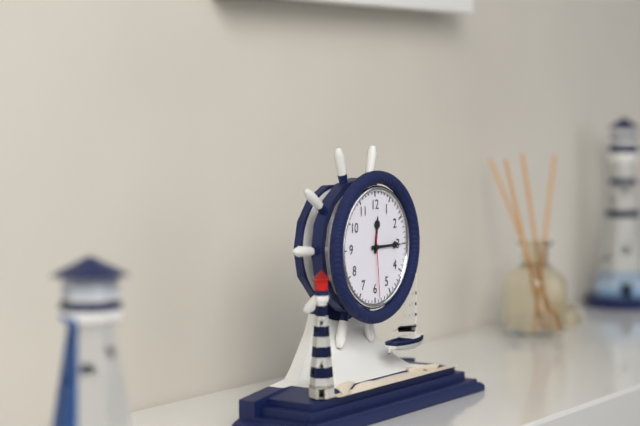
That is 12:15:29
